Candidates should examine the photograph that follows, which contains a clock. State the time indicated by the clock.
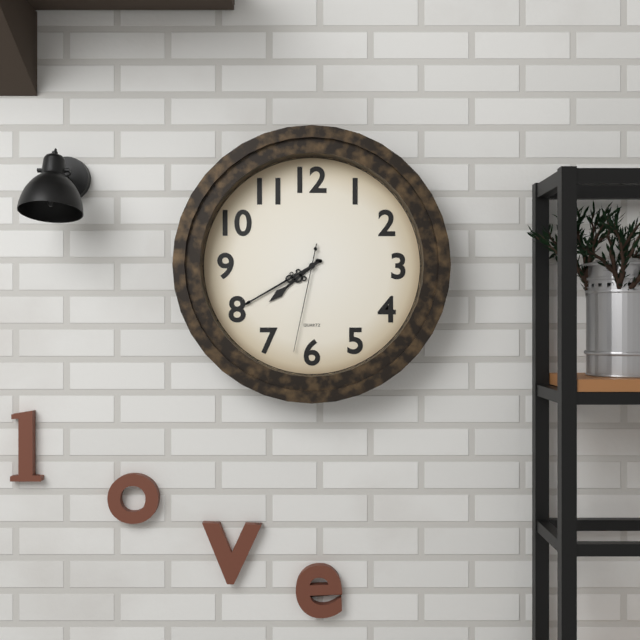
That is 7:40:32
